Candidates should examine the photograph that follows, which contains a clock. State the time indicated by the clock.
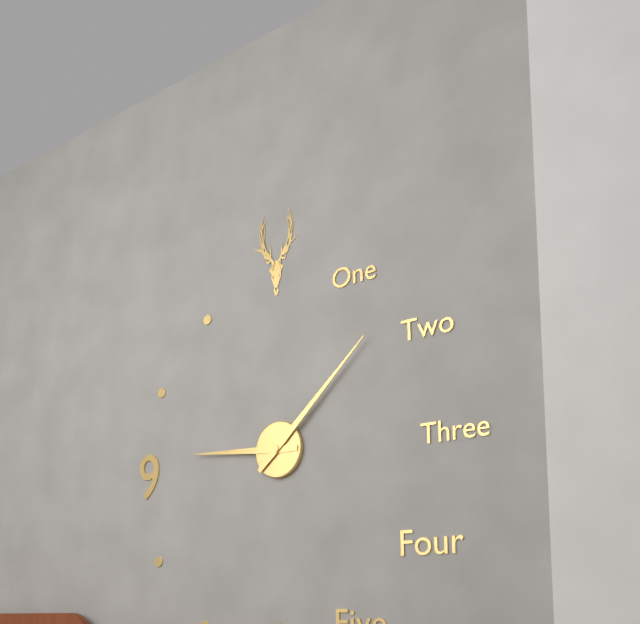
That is 9:08
